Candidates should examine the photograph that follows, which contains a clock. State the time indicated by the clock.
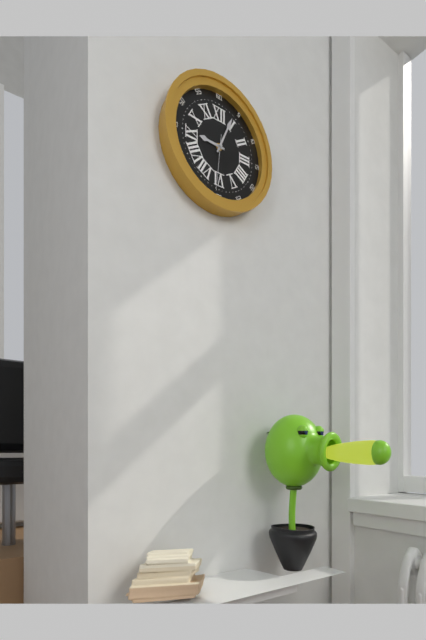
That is 9:04:31
